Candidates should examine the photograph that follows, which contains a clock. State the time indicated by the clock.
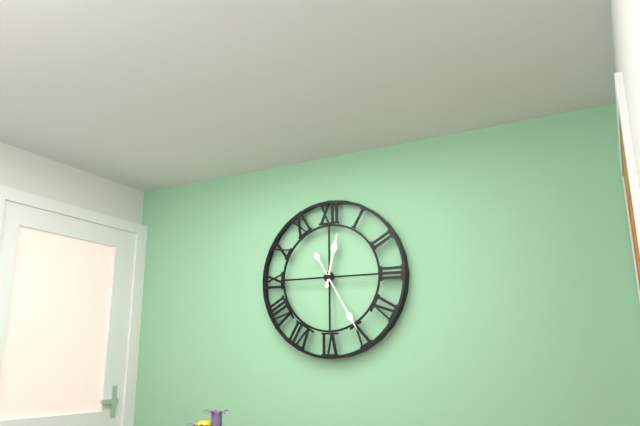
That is 12:25
